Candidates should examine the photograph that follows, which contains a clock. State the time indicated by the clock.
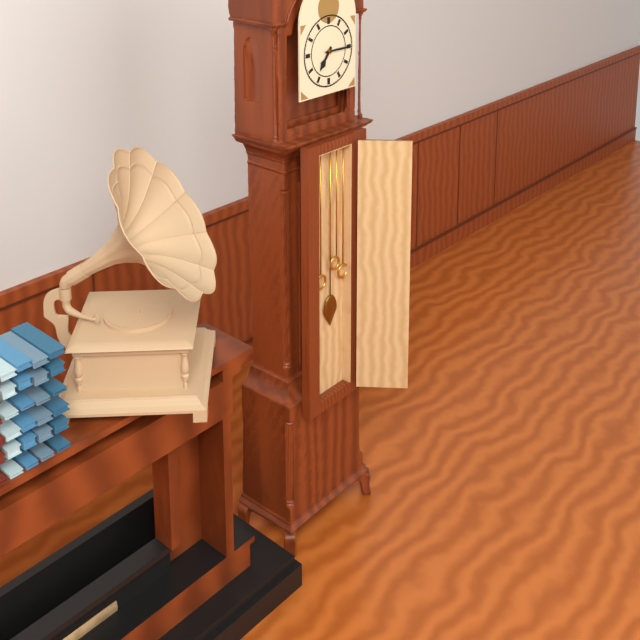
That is 7:15
